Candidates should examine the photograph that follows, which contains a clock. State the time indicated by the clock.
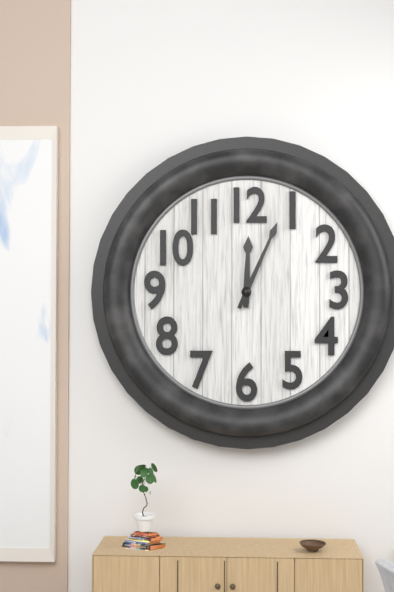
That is 12:04
